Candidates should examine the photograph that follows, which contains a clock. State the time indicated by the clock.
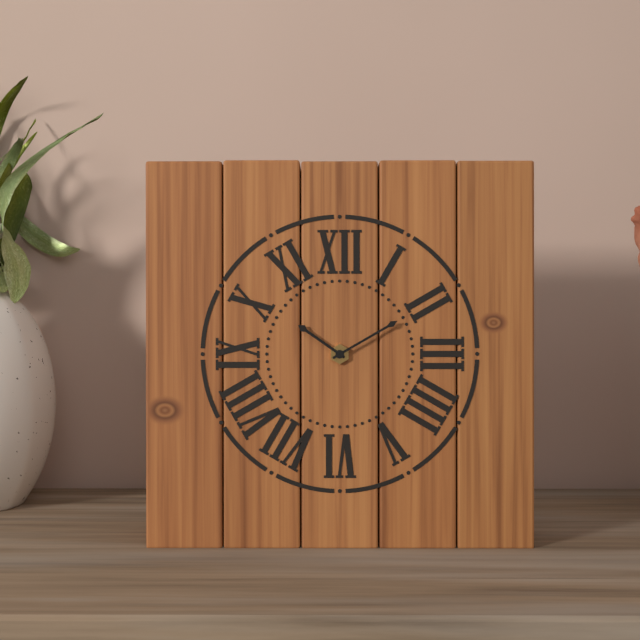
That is 10:10
